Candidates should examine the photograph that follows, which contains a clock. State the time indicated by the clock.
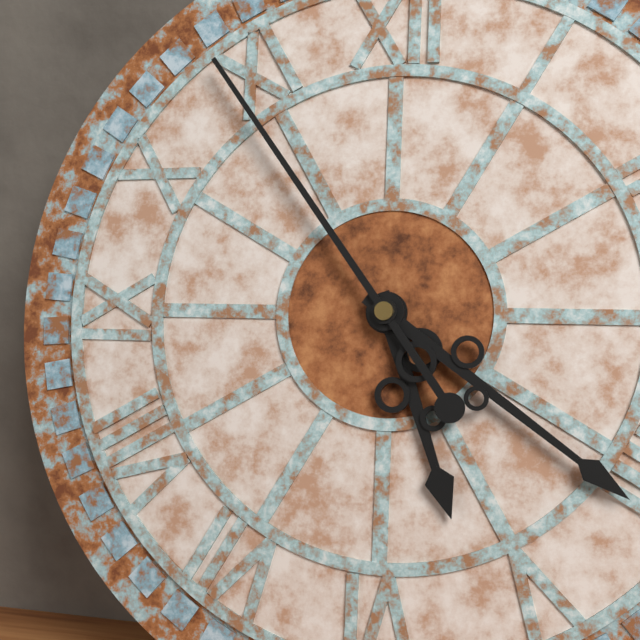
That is 5:21:54
